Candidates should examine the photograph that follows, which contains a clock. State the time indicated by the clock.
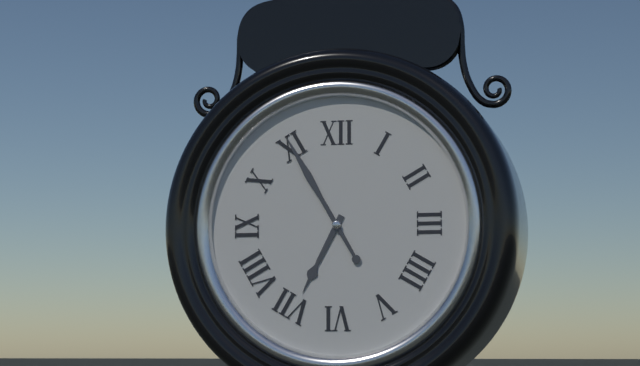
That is 6:55
